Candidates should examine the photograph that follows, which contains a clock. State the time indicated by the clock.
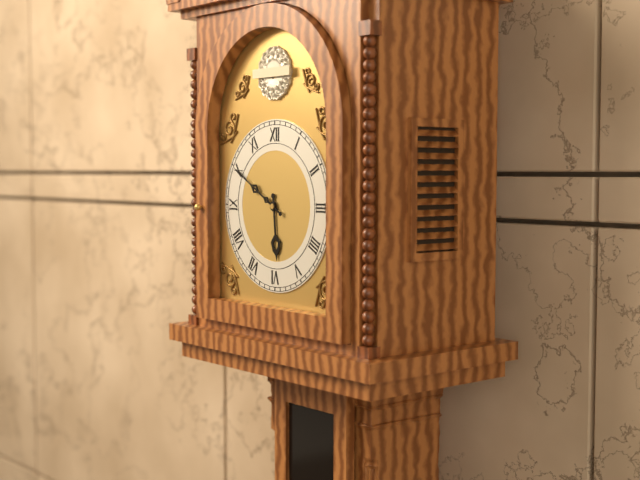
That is 5:50
